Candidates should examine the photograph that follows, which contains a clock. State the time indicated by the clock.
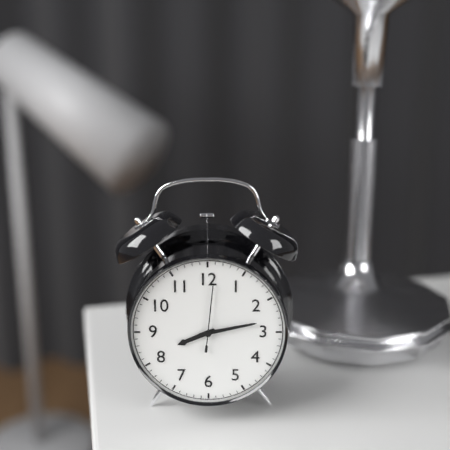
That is 8:13:01
